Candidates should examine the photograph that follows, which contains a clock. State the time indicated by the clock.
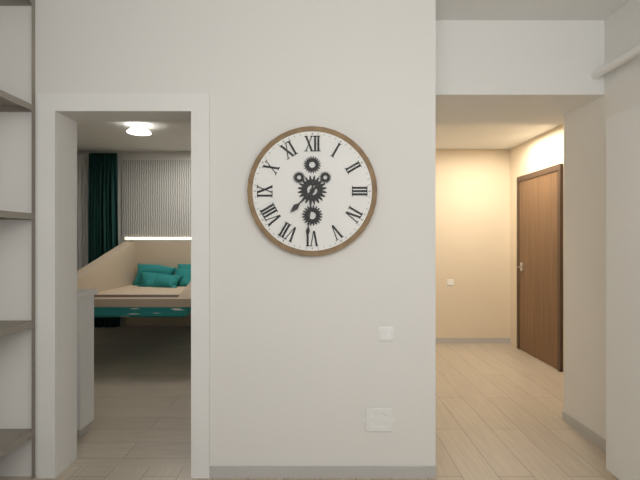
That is 7:31
